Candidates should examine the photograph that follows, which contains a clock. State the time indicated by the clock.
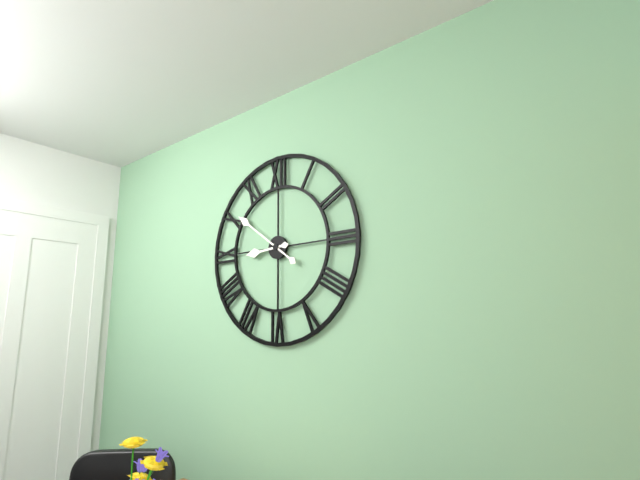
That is 8:51
